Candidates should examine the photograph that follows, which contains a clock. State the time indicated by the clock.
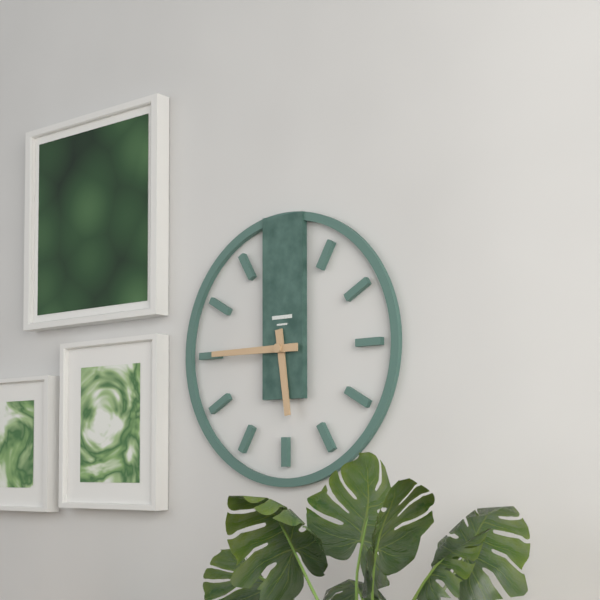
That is 5:45
